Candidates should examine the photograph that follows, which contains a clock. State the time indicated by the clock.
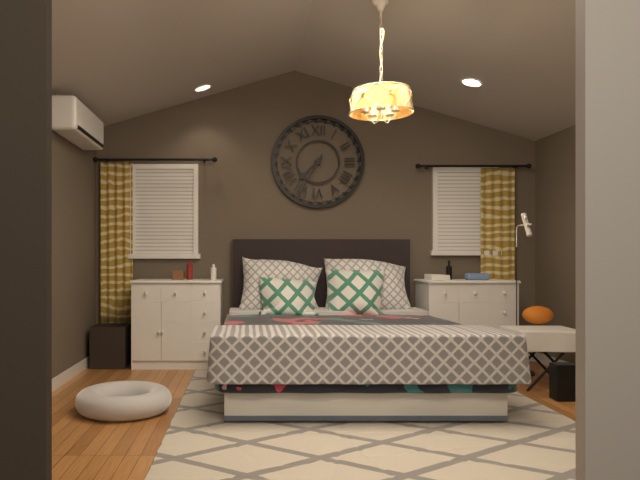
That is 7:35
